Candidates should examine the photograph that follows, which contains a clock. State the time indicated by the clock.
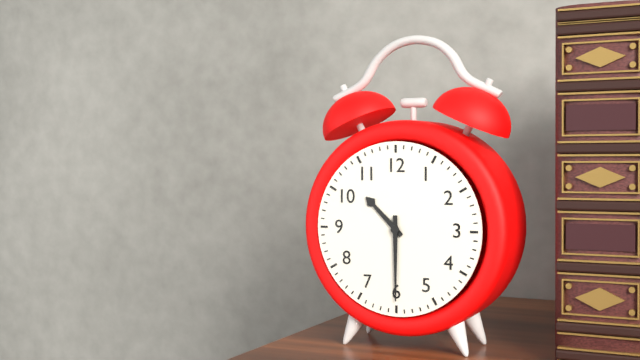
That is 10:30
